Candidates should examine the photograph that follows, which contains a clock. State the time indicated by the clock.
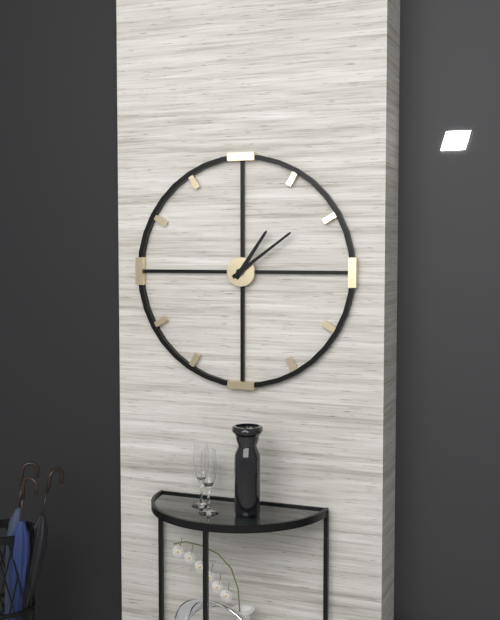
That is 1:09
